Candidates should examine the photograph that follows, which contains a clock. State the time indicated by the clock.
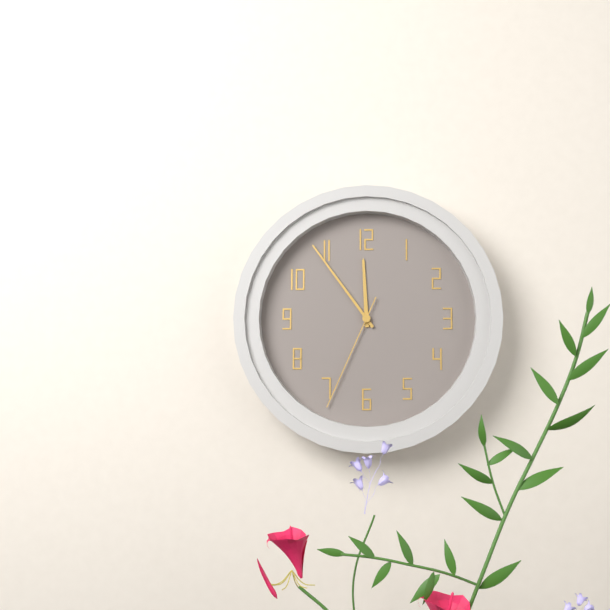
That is 11:54:34
